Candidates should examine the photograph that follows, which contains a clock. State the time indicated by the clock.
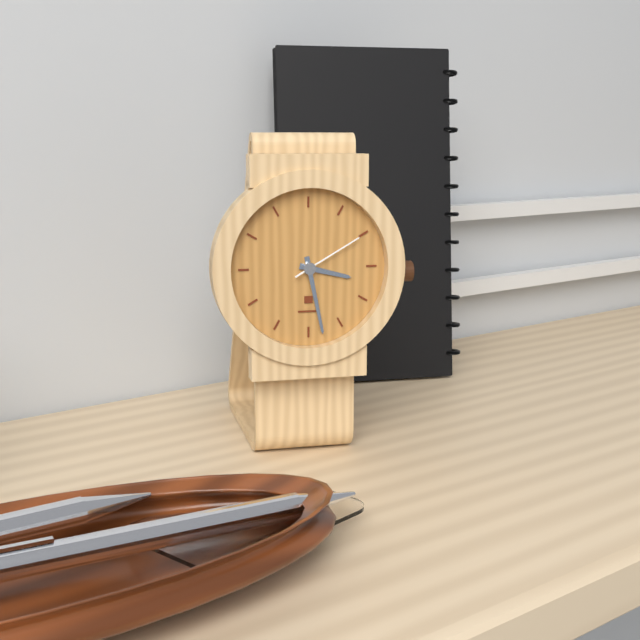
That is 3:28:10
